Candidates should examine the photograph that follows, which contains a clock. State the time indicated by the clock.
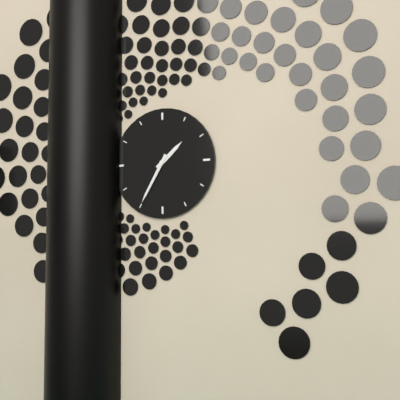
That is 1:35
